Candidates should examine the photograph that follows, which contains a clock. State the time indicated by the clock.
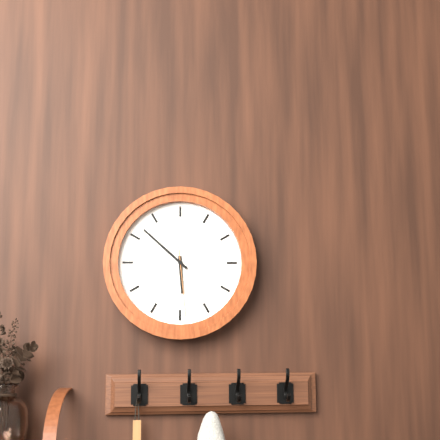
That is 5:52:29
